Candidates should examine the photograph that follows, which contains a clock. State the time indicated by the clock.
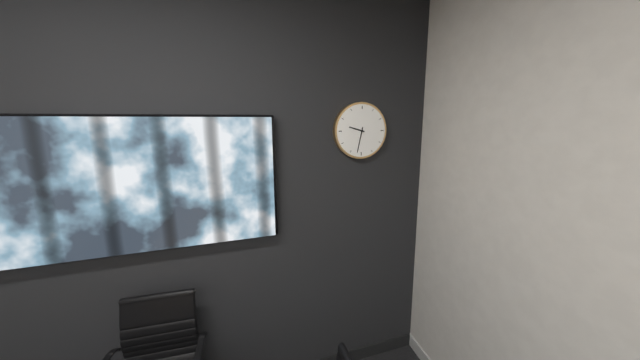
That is 9:32
